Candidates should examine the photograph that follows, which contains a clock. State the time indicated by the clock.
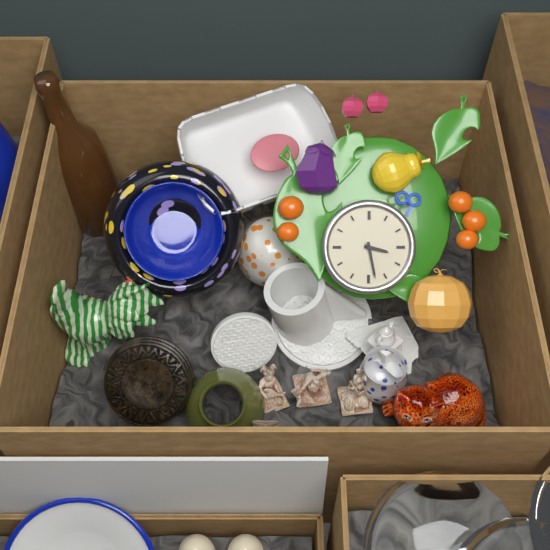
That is 3:28
